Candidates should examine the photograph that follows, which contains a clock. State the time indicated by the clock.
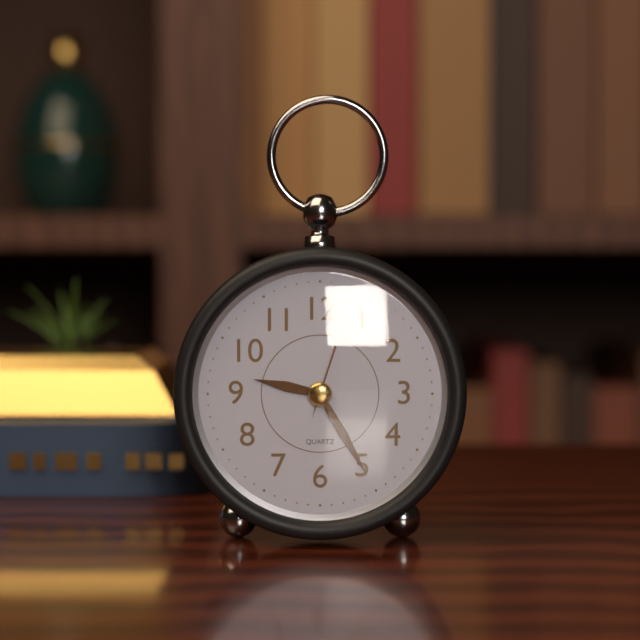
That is 9:25:03
